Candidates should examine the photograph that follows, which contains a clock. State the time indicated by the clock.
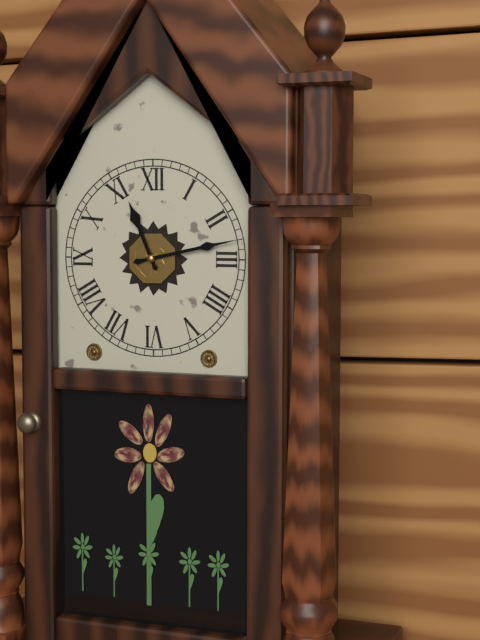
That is 11:13
